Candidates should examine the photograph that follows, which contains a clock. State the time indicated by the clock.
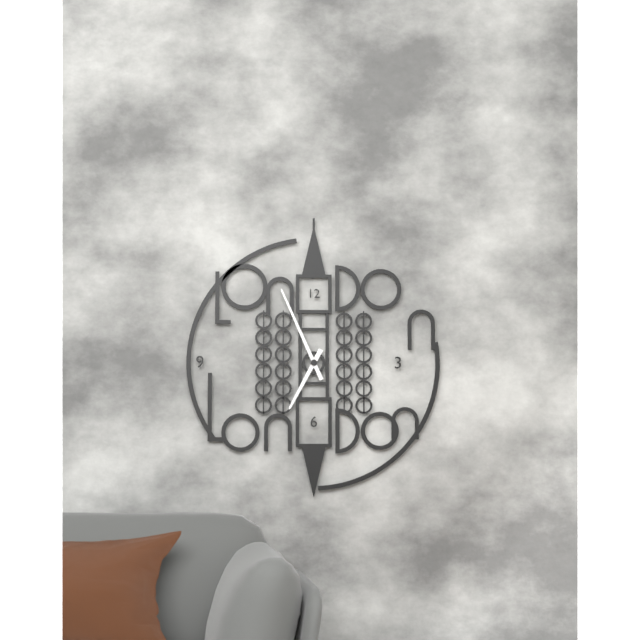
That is 6:56
